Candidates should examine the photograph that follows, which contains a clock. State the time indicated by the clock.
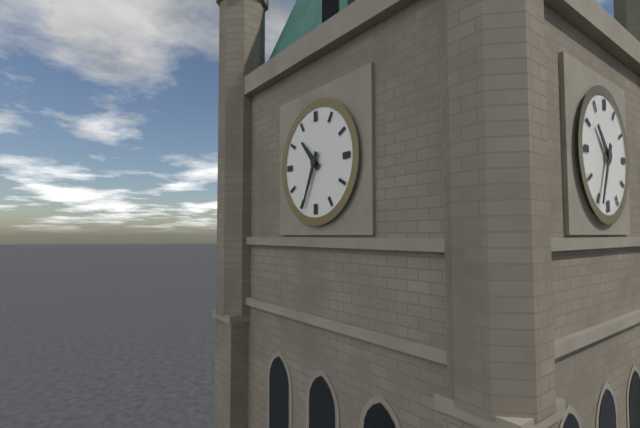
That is 10:34
